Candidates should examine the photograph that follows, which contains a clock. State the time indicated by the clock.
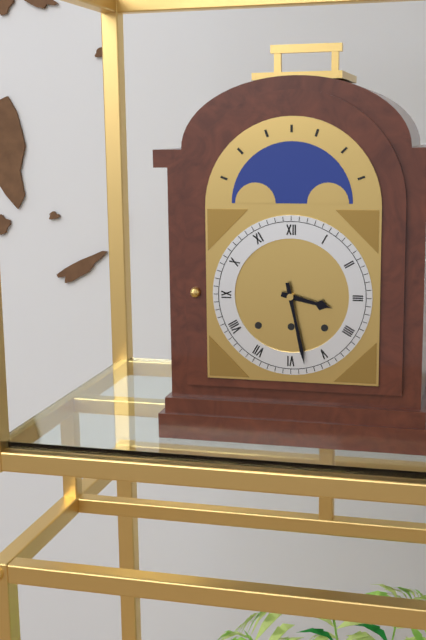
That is 3:28
